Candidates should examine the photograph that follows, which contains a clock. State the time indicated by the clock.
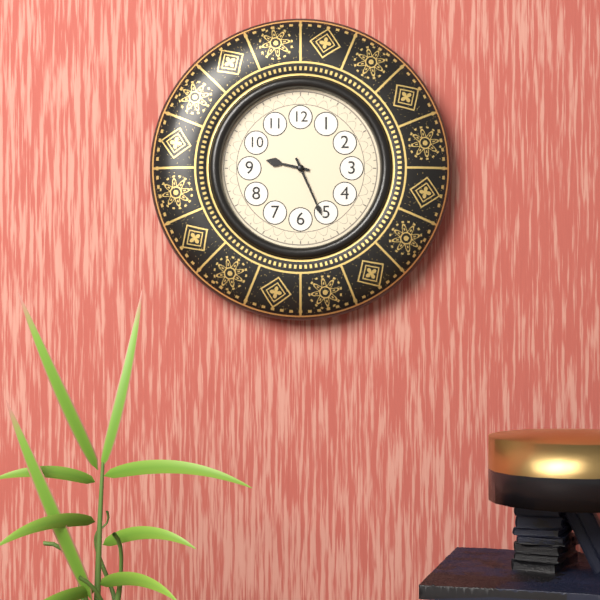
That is 9:26
